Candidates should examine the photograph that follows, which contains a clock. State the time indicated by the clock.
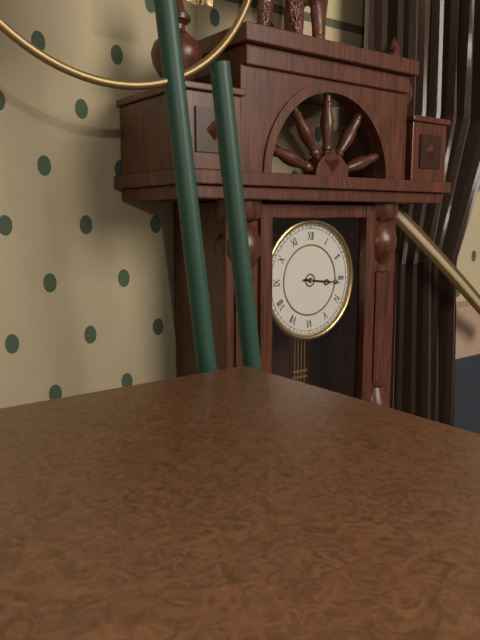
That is 3:16
